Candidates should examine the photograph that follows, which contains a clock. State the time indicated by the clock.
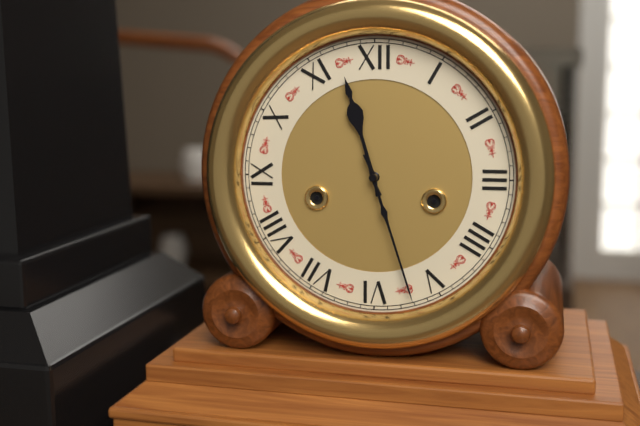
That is 11:27
